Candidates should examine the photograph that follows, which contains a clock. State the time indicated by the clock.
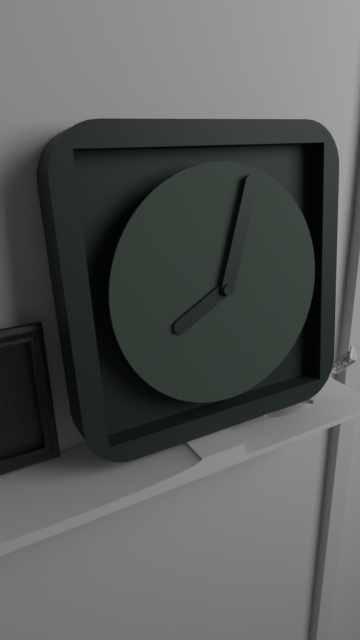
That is 8:03
